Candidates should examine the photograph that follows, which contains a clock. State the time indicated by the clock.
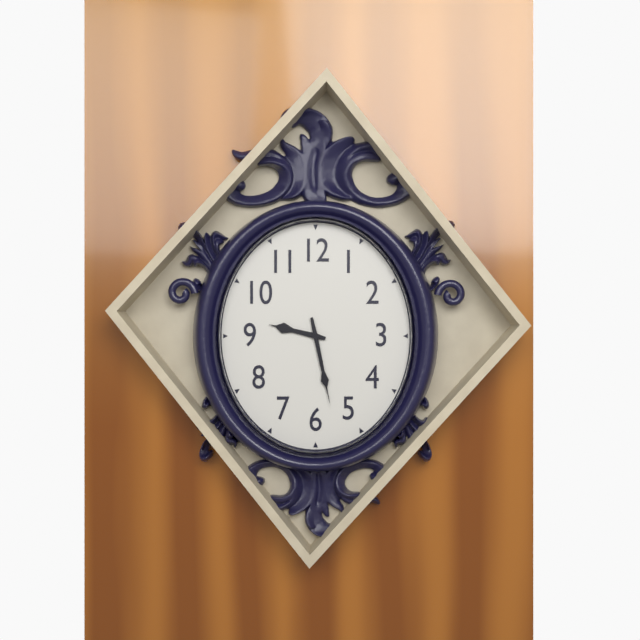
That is 9:28
